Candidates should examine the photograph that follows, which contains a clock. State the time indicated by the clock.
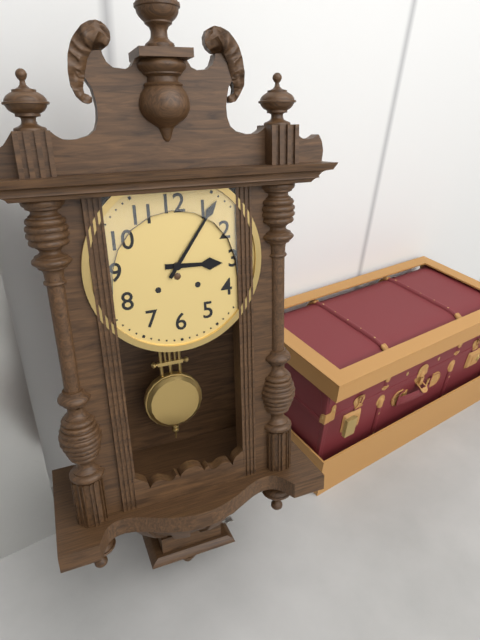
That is 3:06
